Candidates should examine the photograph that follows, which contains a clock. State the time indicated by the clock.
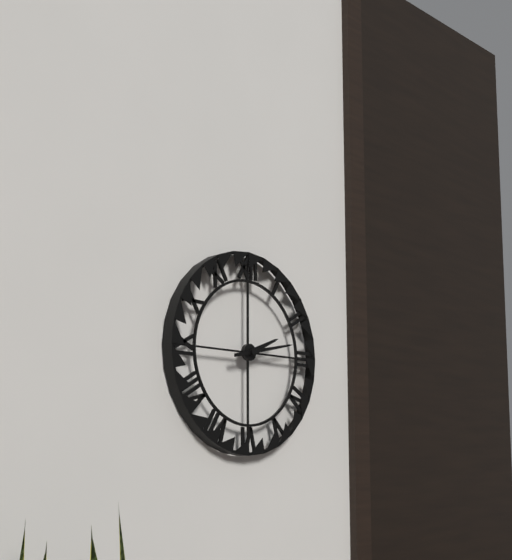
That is 2:13
